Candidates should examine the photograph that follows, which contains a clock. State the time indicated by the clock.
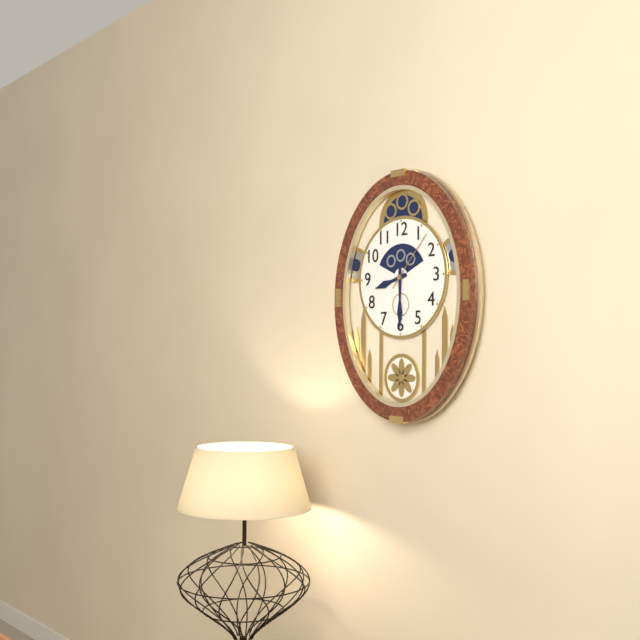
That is 8:30:07
